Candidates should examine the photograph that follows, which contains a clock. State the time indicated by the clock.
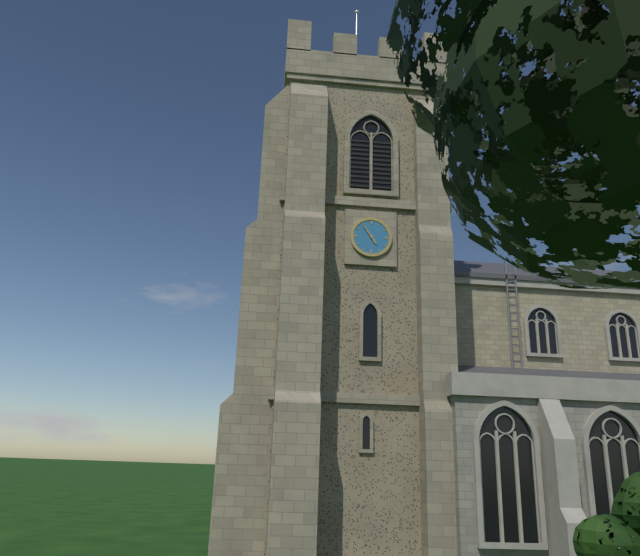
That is 4:54
